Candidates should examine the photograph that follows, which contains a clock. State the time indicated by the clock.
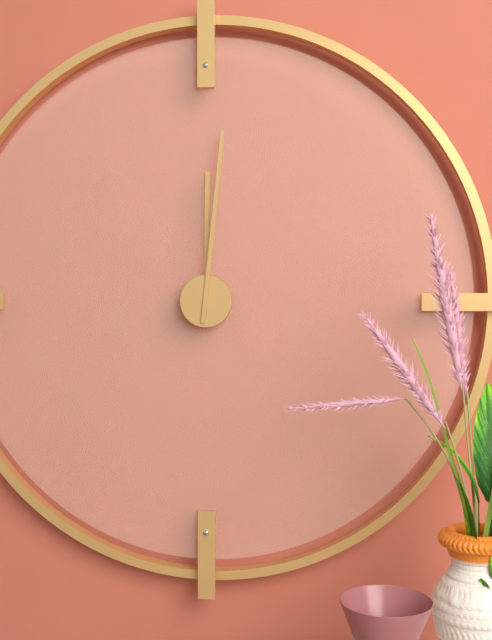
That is 12:01
